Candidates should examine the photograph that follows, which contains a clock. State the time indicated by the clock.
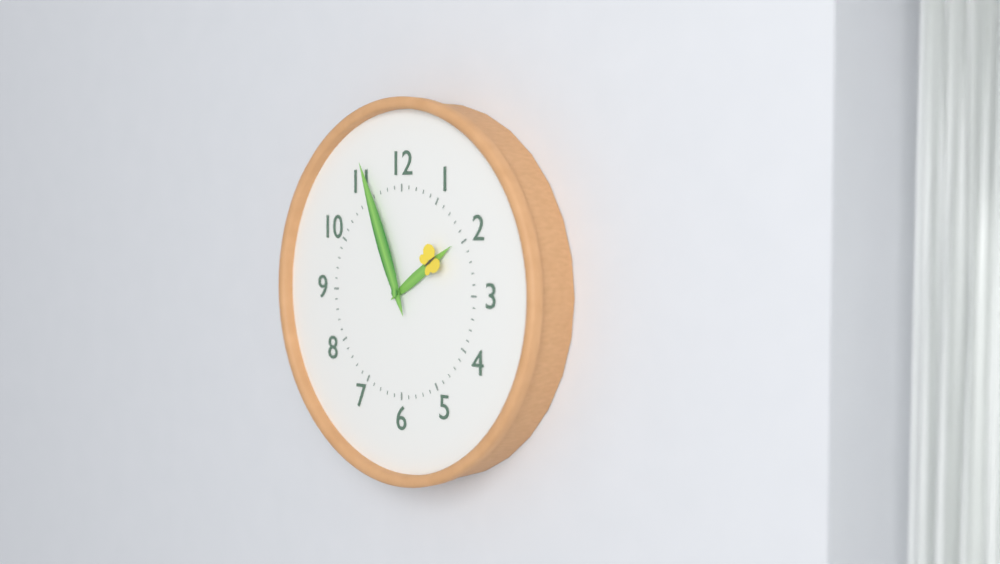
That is 1:56
